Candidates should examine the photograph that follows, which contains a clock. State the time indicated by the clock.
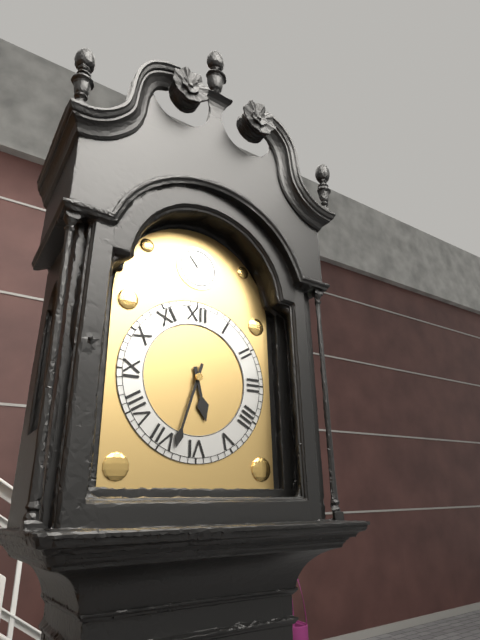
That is 5:33
